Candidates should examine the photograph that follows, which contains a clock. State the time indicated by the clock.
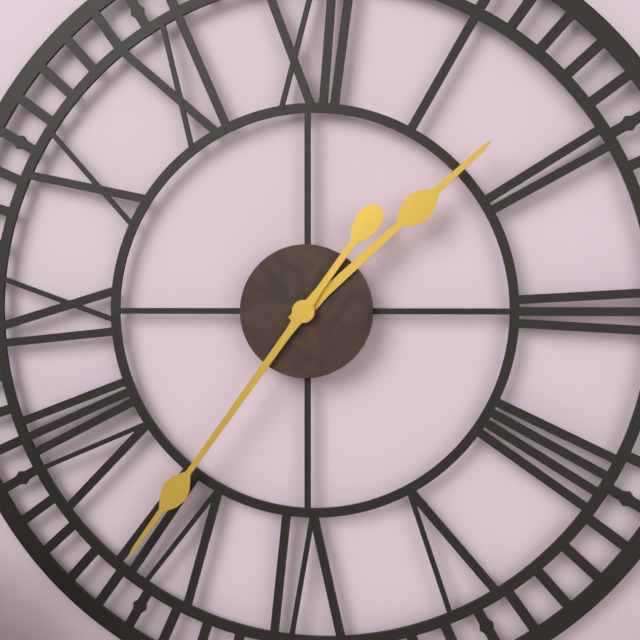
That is 1:36
